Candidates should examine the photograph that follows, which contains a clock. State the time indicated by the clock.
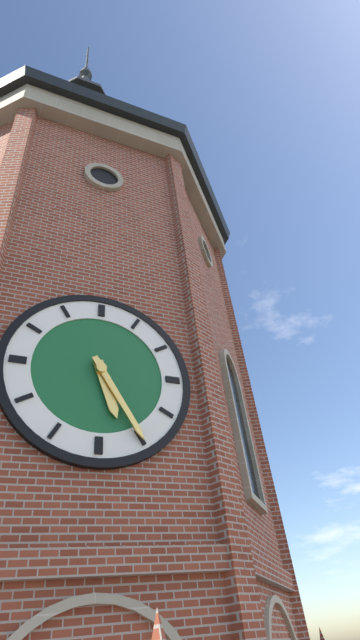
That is 5:25
